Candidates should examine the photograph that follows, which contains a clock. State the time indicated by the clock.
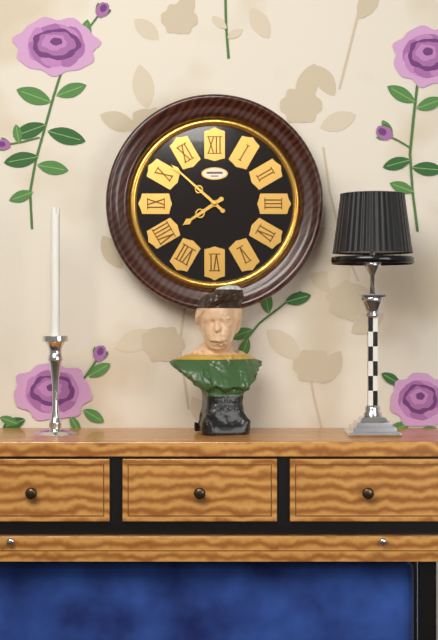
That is 7:52
